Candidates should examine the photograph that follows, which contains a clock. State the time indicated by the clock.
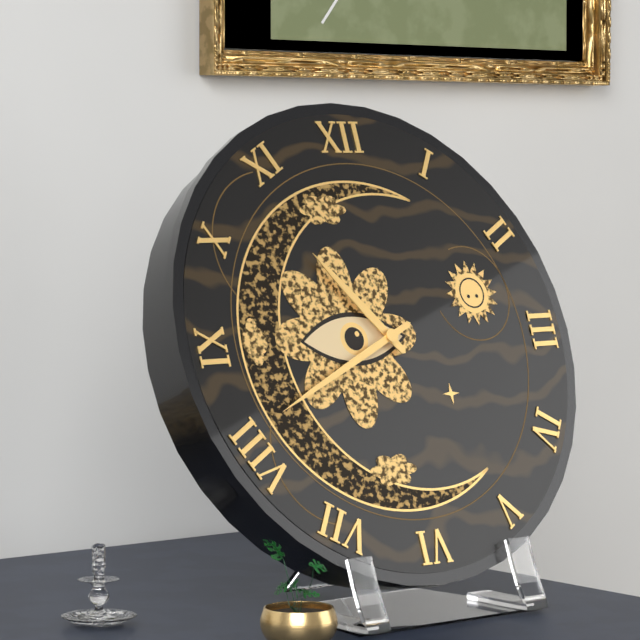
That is 10:41
